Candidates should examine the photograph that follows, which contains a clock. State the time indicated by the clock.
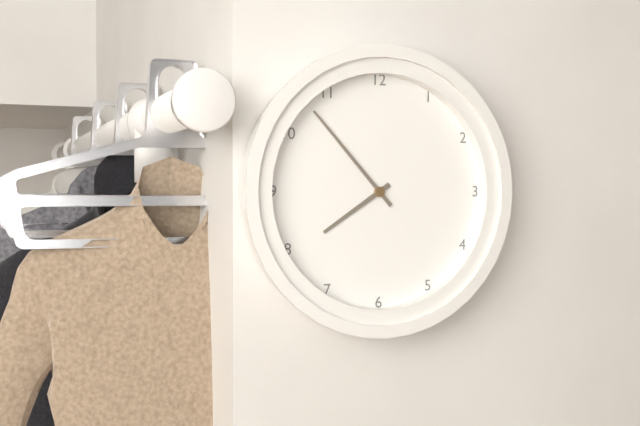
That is 7:53
